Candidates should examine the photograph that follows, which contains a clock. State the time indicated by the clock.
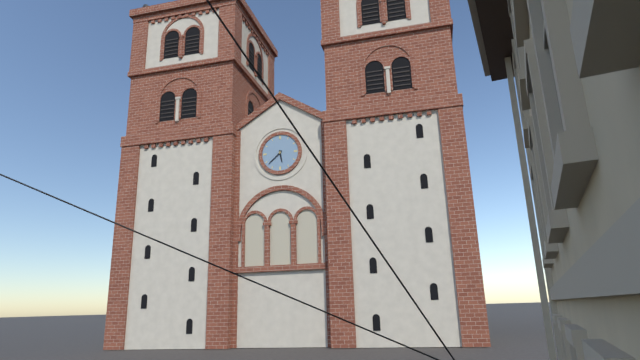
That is 5:38
